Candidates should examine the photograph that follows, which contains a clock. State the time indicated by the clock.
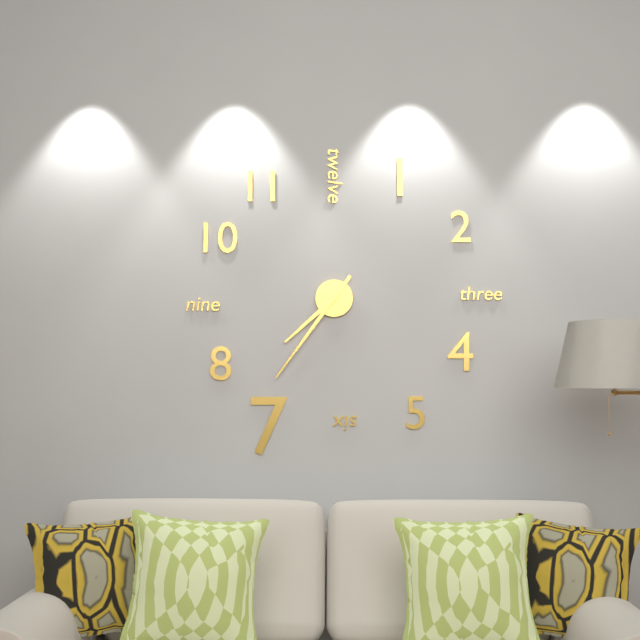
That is 7:36
